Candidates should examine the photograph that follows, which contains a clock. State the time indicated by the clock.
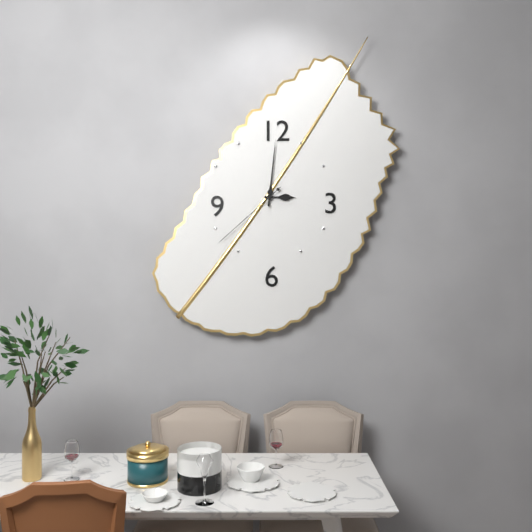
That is 3:01:38
